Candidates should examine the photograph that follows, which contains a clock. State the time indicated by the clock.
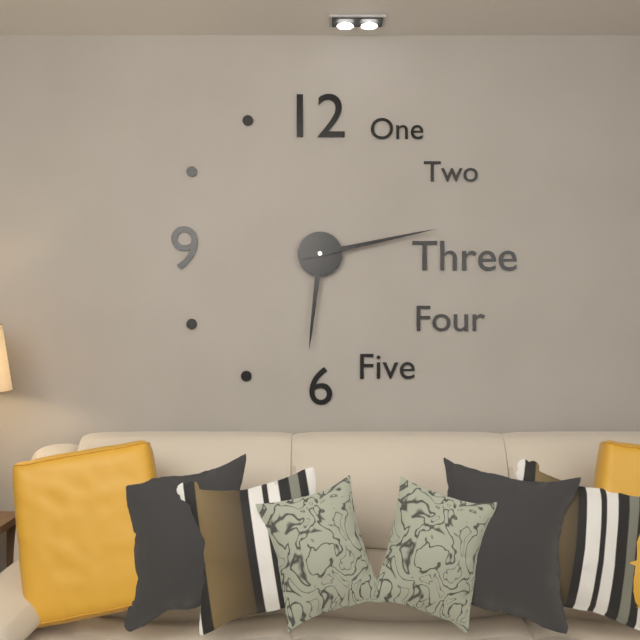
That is 6:13
